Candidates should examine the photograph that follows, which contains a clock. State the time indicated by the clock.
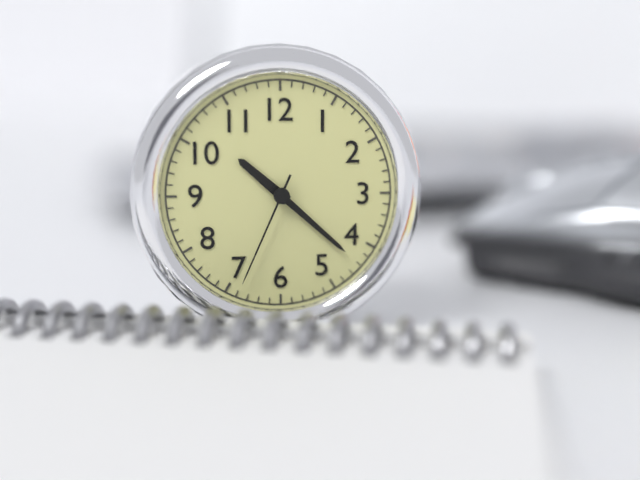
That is 10:22:34
